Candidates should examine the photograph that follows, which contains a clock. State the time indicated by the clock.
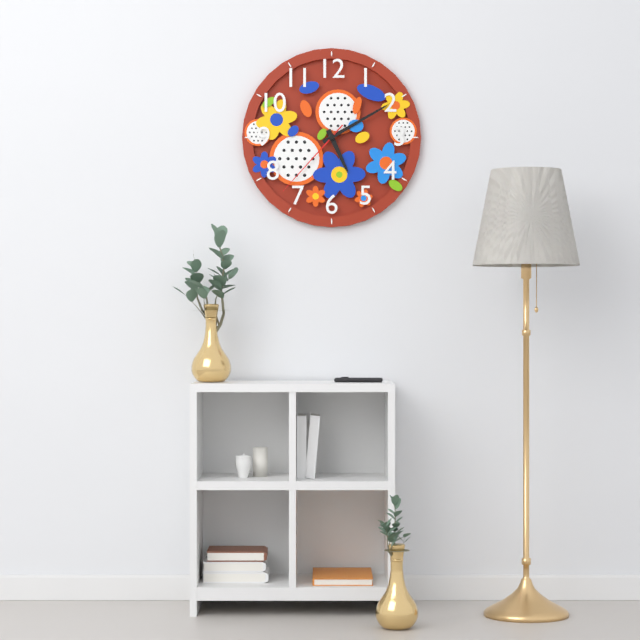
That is 5:10:37
